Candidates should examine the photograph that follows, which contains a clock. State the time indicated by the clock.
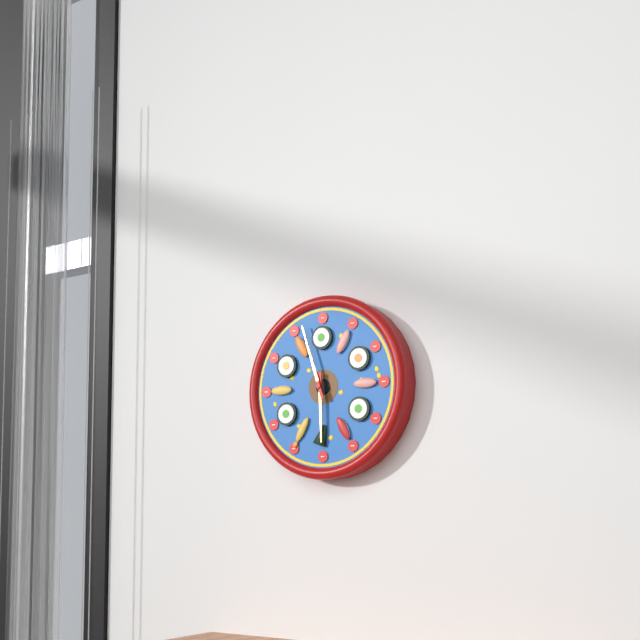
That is 5:57
